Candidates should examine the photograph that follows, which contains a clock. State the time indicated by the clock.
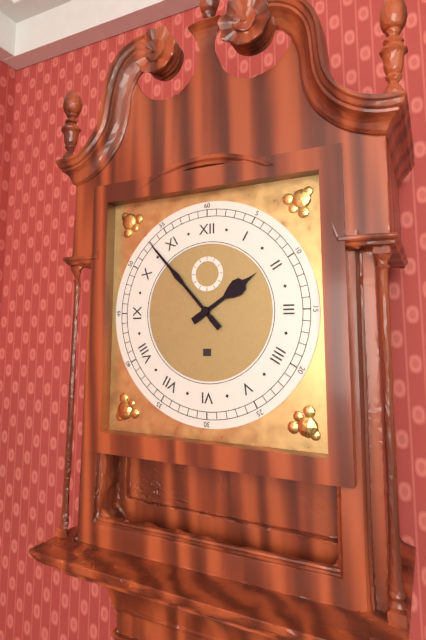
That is 1:53
